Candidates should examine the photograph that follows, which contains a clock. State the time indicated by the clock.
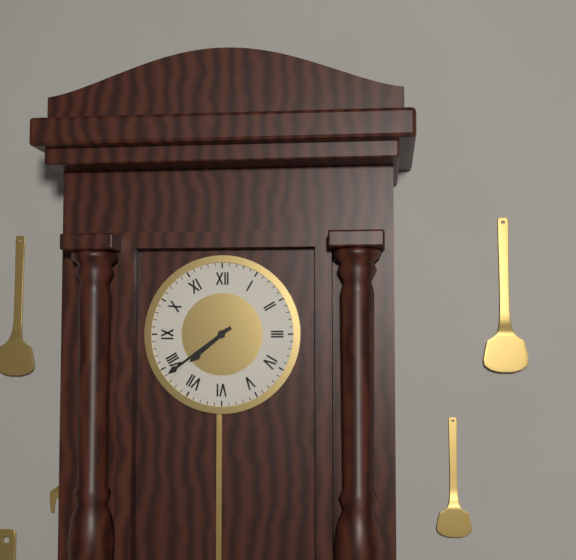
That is 7:39
